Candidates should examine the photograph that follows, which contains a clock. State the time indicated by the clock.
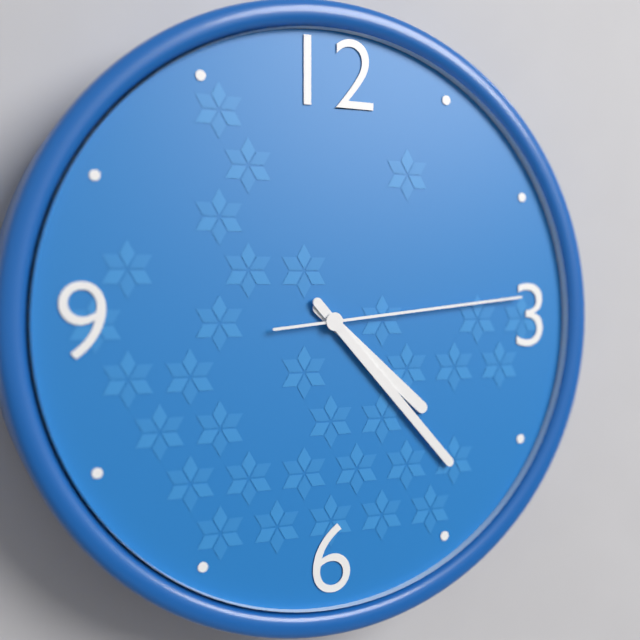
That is 4:23:14
